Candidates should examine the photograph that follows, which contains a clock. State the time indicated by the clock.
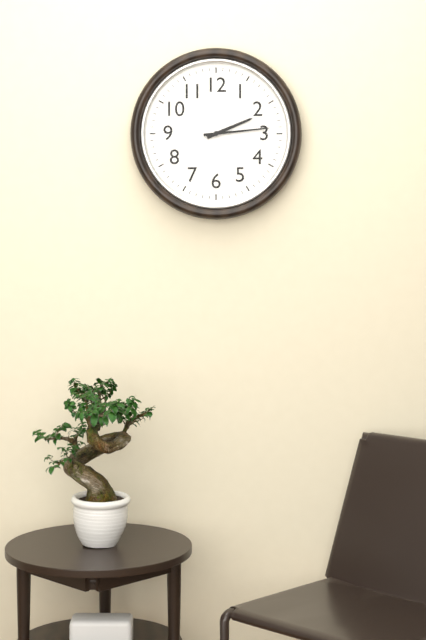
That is 2:14
